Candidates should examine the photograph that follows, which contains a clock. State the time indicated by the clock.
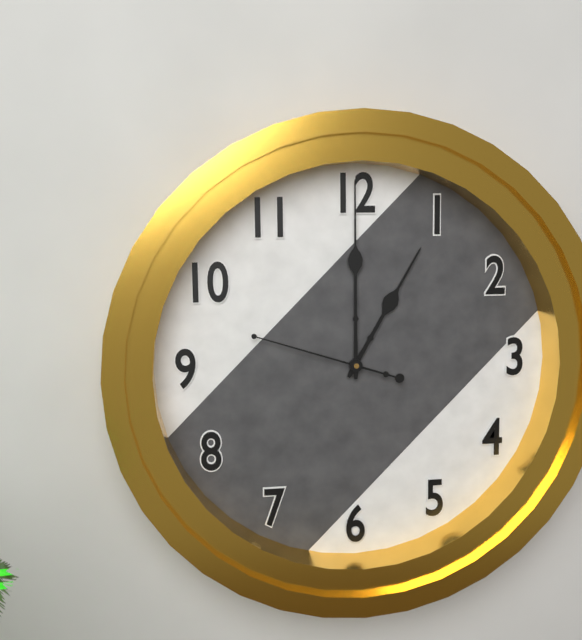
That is 1:00:48
